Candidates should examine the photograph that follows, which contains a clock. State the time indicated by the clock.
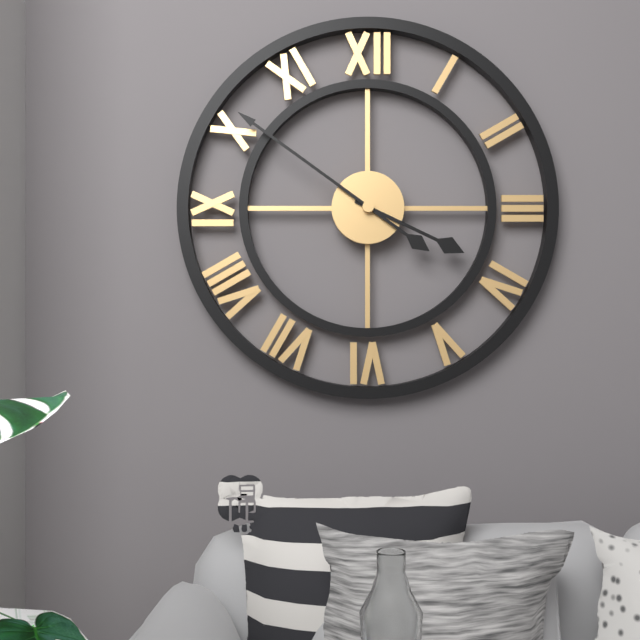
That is 3:51
